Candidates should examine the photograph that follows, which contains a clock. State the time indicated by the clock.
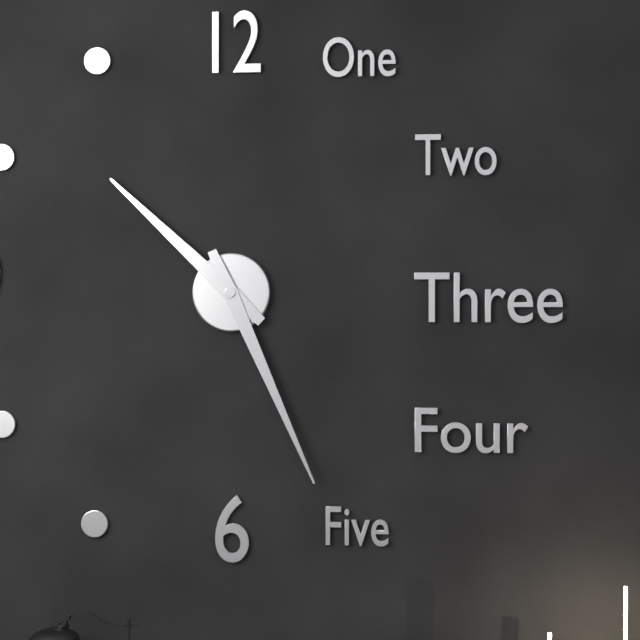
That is 10:26
